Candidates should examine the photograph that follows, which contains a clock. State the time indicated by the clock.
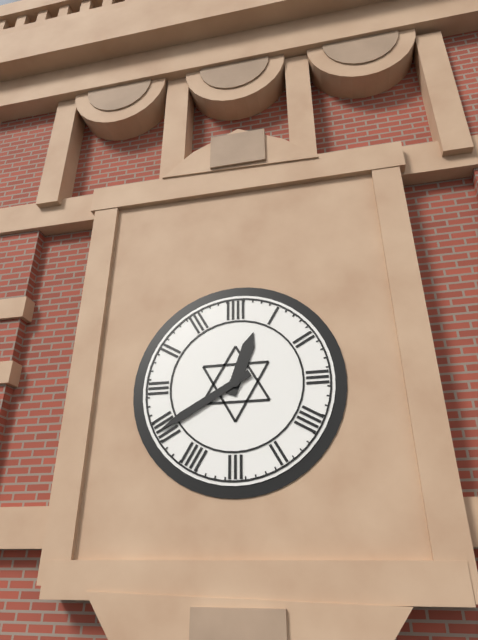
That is 12:40
